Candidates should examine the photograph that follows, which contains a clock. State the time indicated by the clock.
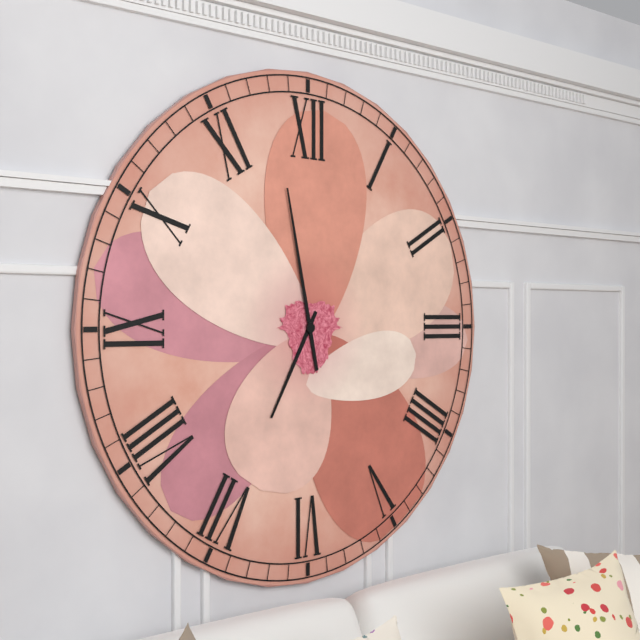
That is 6:58
